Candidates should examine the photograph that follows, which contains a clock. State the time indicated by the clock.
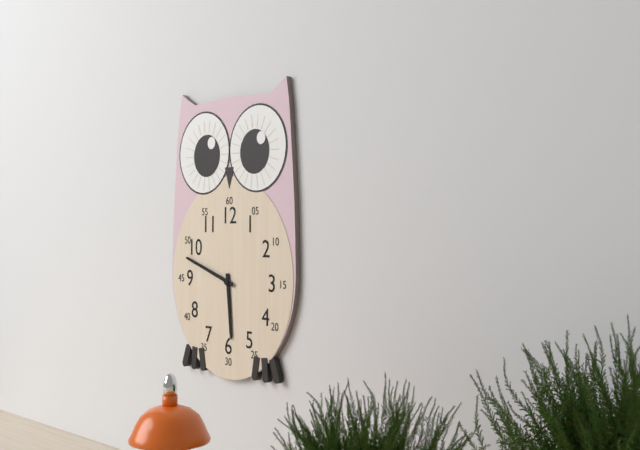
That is 5:48
